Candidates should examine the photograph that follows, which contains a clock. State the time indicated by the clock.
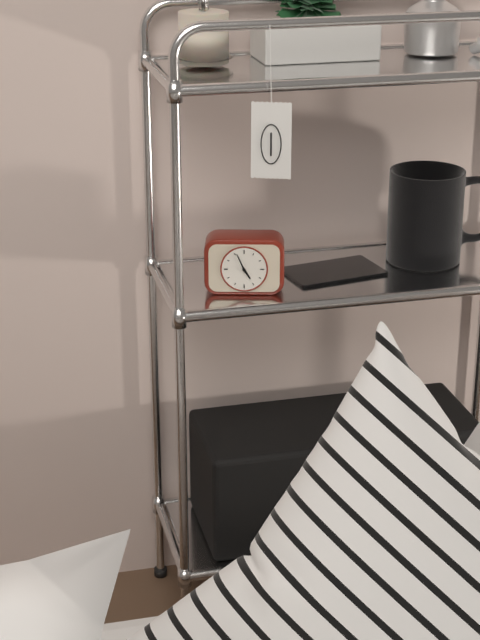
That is 4:56
